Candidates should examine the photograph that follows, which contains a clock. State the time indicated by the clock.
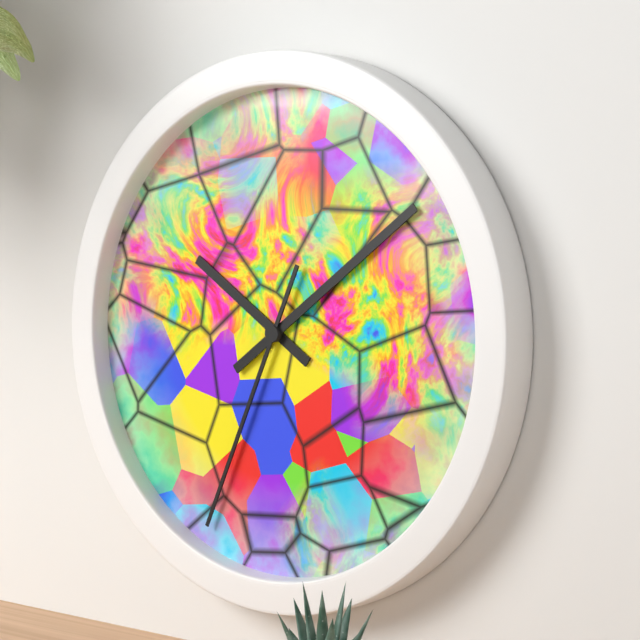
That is 10:09:34
